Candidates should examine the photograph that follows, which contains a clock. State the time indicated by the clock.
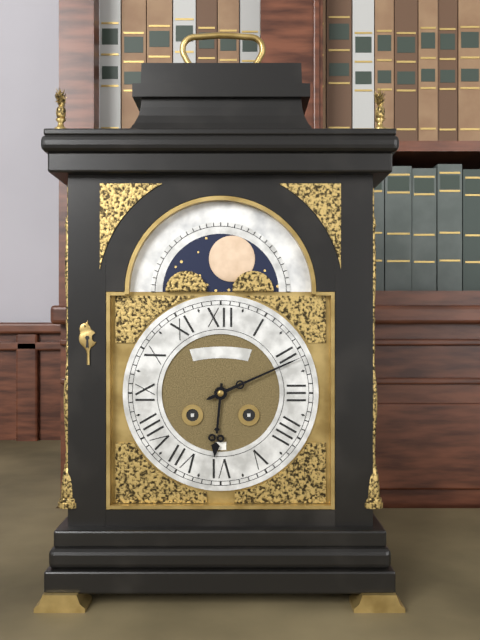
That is 6:11
